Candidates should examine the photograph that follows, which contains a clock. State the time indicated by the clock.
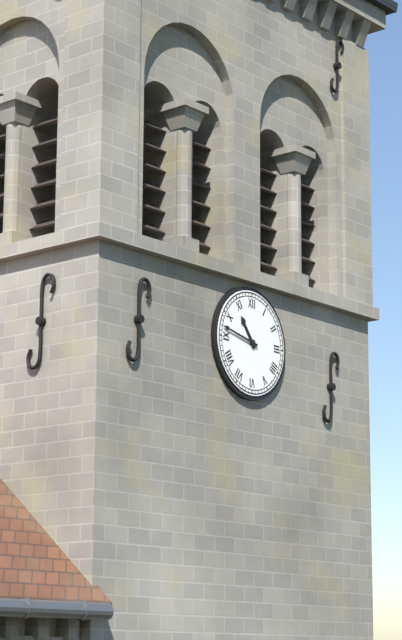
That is 10:47
